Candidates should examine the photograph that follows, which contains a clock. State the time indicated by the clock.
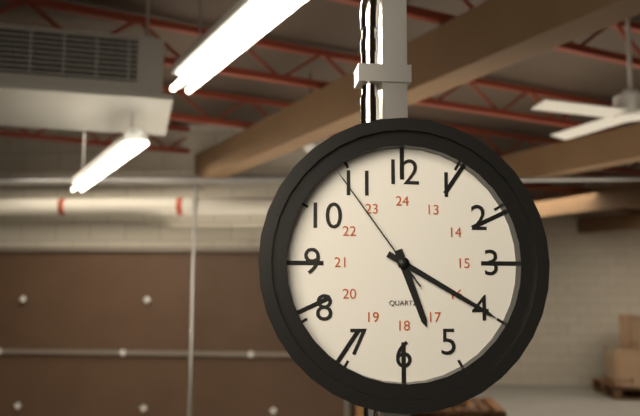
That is 5:20:54
